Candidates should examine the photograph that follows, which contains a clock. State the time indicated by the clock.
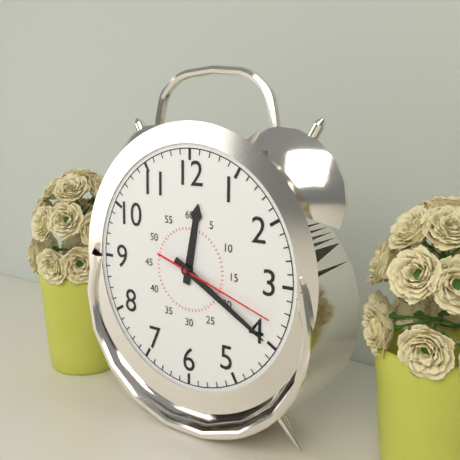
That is 12:20:18
